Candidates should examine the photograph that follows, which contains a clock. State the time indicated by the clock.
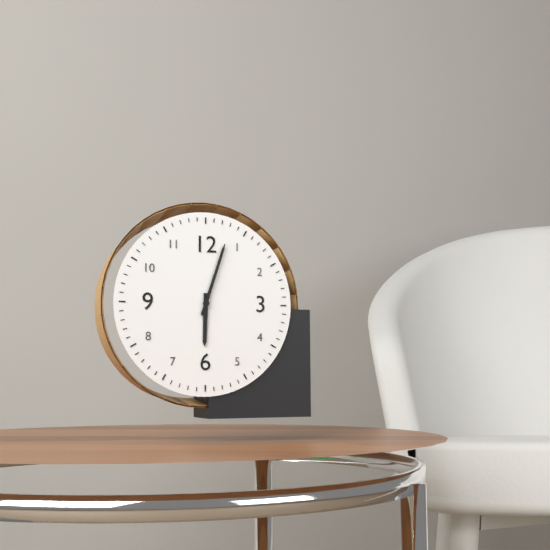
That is 6:03
